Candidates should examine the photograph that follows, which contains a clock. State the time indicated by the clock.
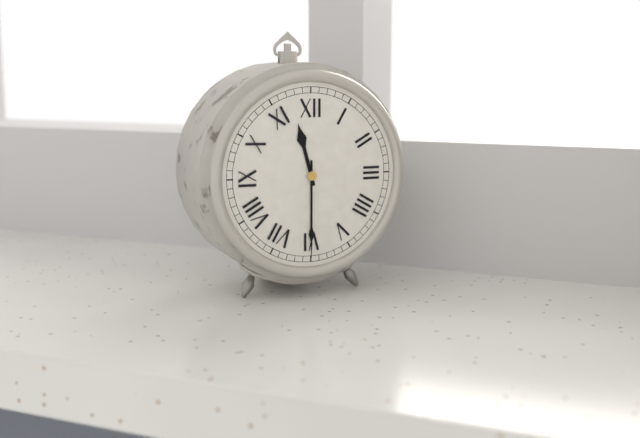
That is 11:30
